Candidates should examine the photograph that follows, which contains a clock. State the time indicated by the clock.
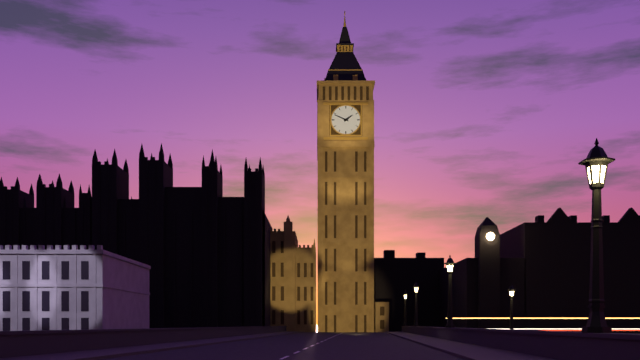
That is 1:49
